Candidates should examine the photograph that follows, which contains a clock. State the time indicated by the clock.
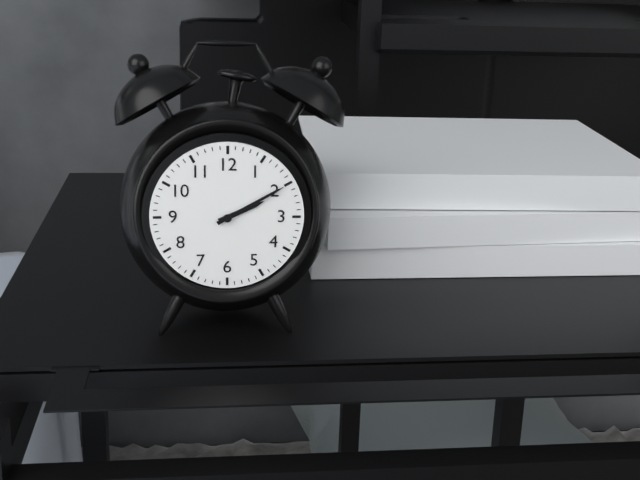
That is 2:10
